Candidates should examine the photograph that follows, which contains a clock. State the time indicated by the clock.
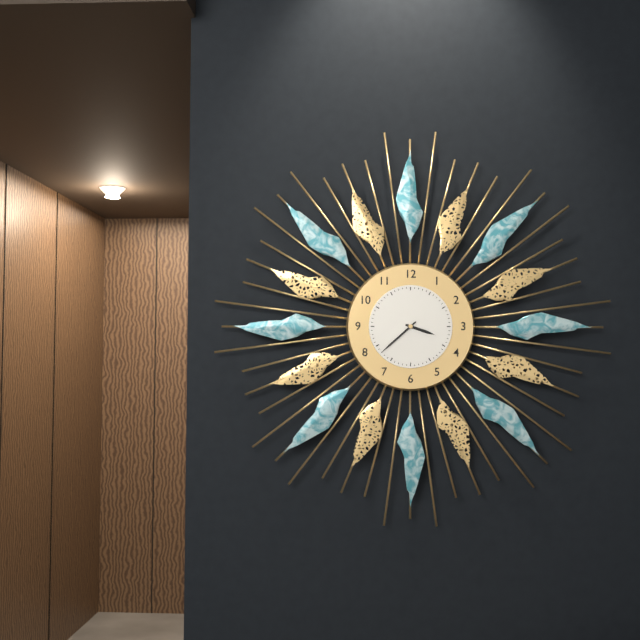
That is 3:38
